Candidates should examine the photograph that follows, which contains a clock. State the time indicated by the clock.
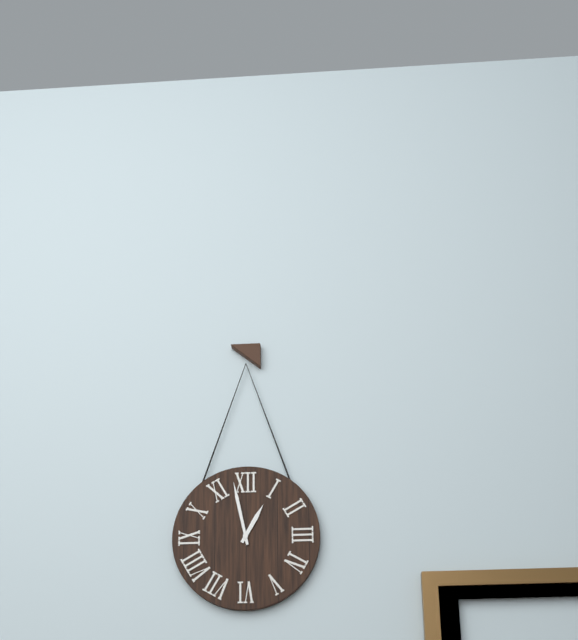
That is 12:58
